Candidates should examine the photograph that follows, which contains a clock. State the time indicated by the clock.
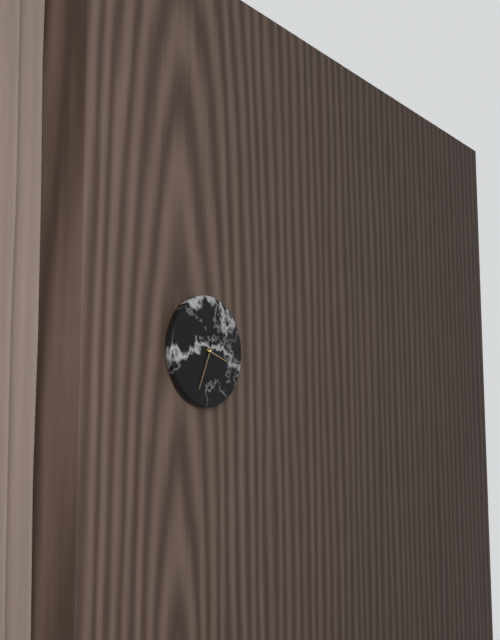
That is 3:34
